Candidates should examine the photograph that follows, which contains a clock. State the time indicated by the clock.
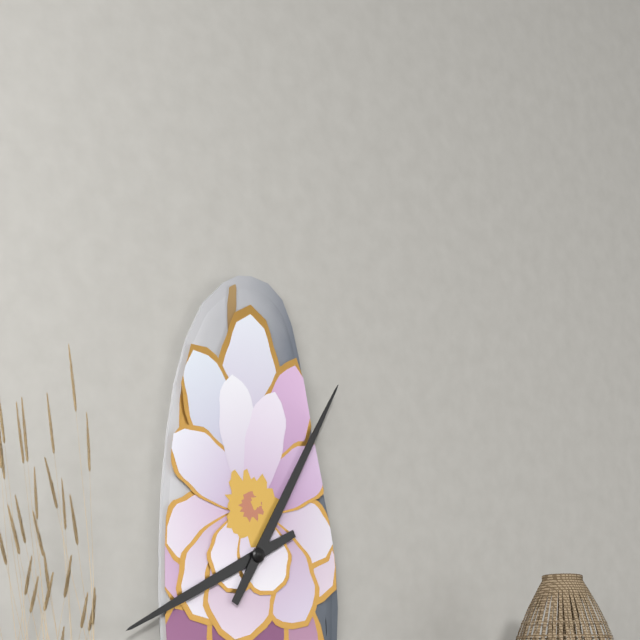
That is 8:05
